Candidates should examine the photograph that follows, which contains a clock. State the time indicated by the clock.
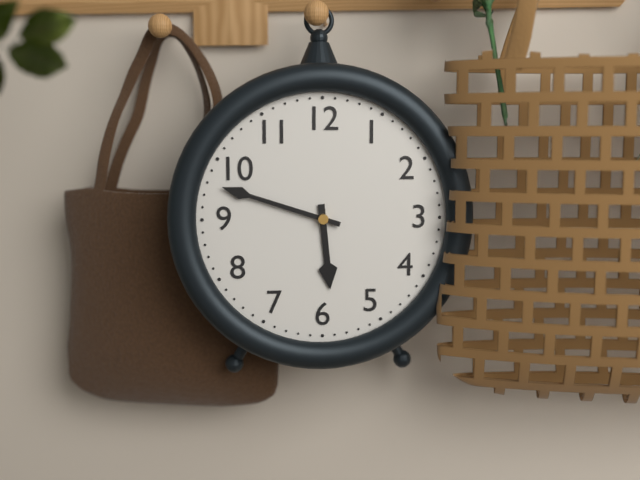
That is 5:48
